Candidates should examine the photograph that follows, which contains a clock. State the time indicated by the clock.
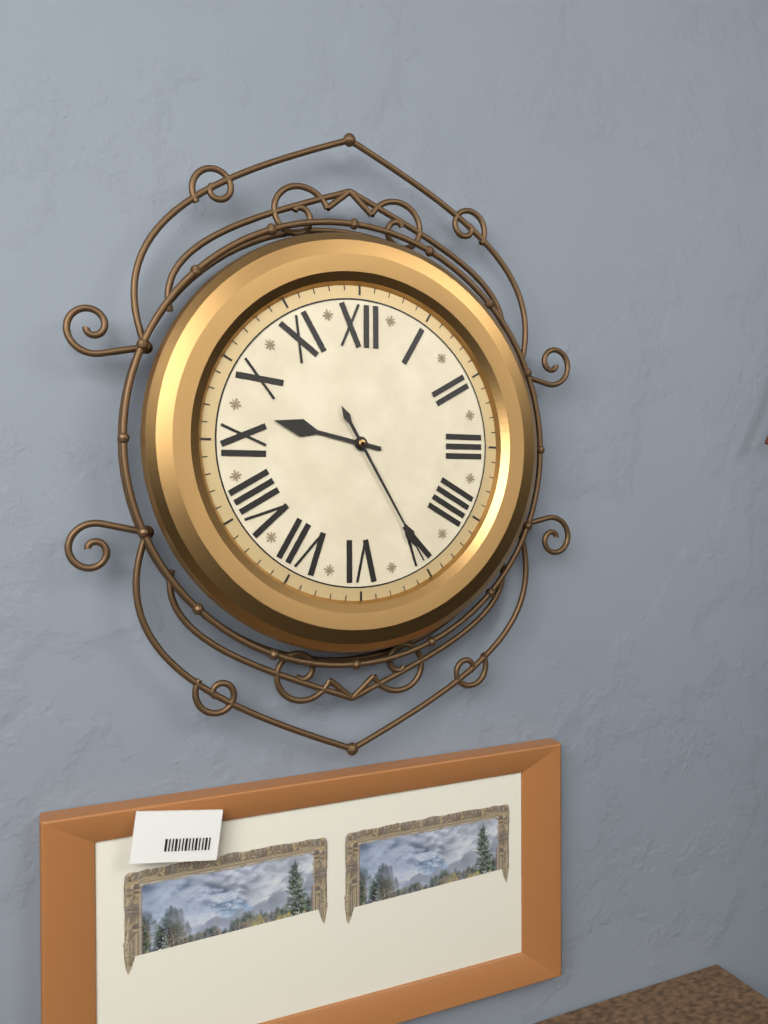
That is 9:25
